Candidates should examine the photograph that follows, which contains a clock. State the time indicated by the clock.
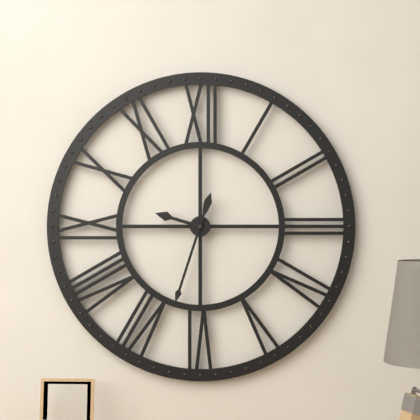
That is 9:33
